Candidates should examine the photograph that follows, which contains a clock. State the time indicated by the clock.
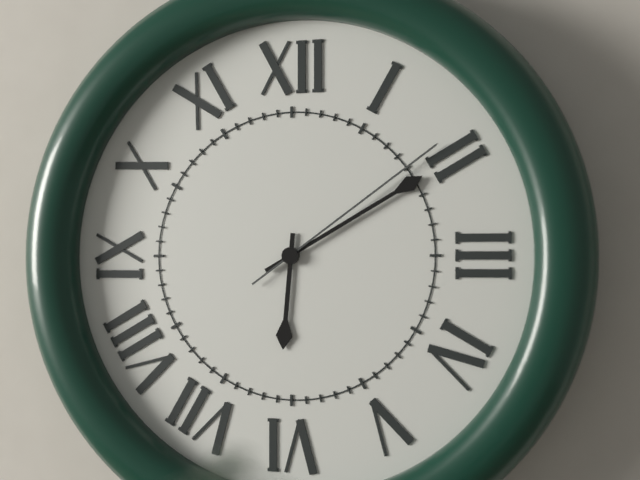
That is 6:10:09
